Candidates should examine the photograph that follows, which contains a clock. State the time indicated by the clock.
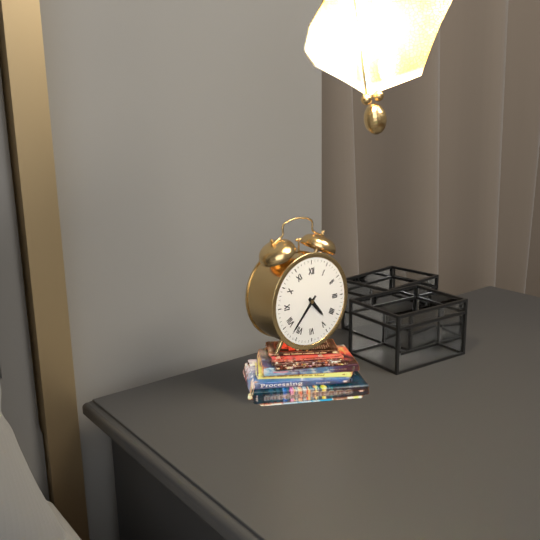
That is 4:37
